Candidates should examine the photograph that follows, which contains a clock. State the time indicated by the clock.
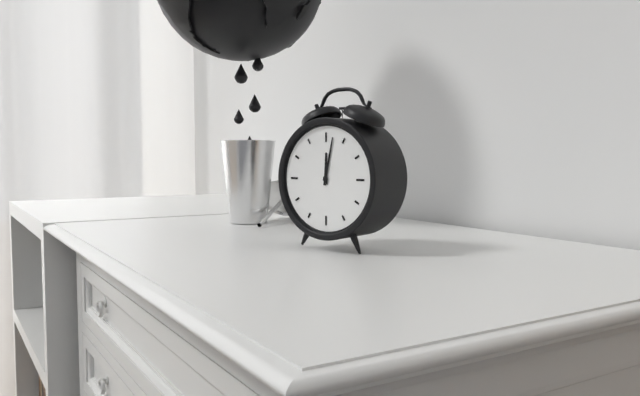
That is 12:02
